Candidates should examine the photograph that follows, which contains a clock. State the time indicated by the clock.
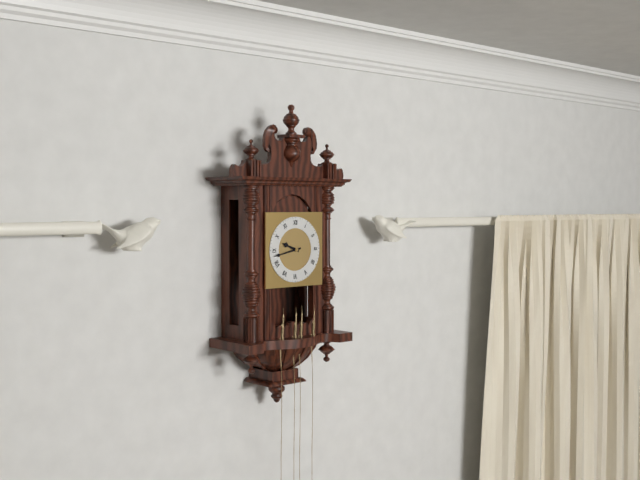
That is 9:43
